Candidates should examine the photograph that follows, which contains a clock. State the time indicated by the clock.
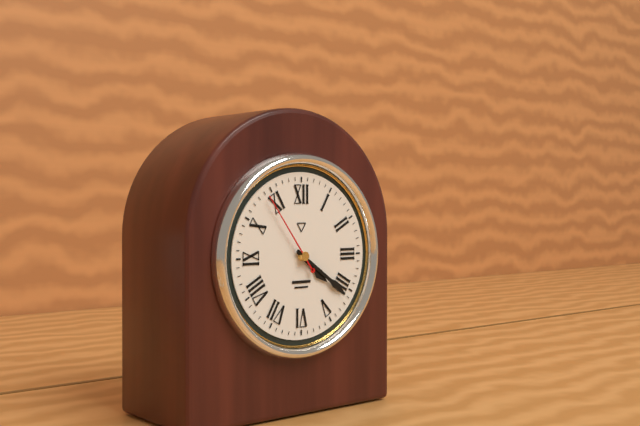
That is 4:21:54
